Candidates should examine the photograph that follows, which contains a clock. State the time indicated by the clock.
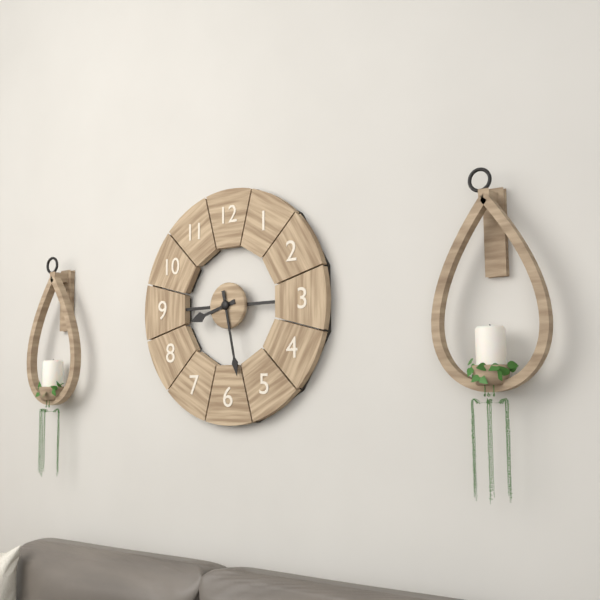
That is 8:28
